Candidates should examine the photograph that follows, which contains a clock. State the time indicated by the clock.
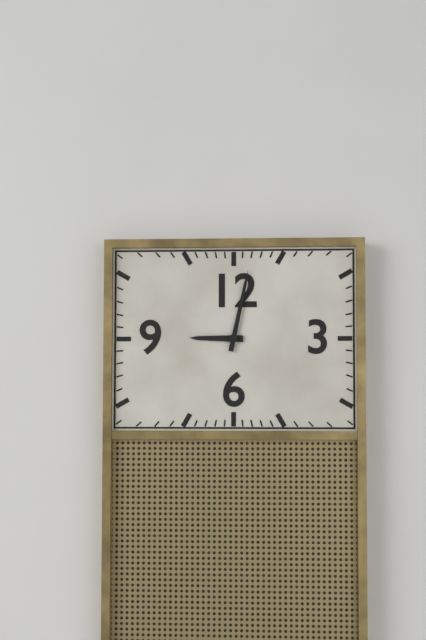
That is 9:02
